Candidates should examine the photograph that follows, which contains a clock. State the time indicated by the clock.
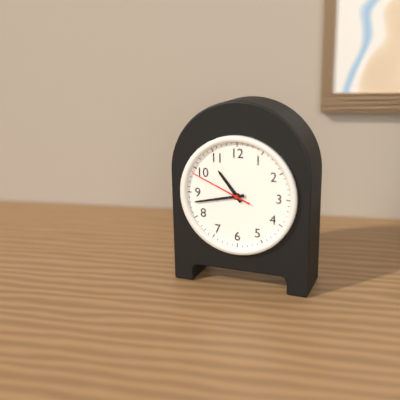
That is 10:43:49
